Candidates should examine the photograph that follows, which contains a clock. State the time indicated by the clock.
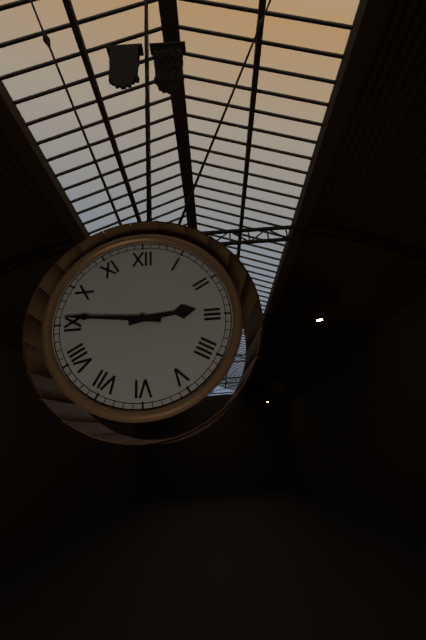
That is 2:46
